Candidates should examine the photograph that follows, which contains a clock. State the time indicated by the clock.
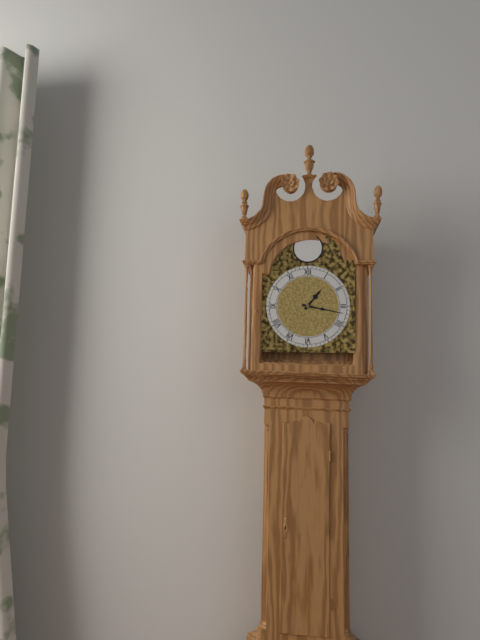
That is 1:17
